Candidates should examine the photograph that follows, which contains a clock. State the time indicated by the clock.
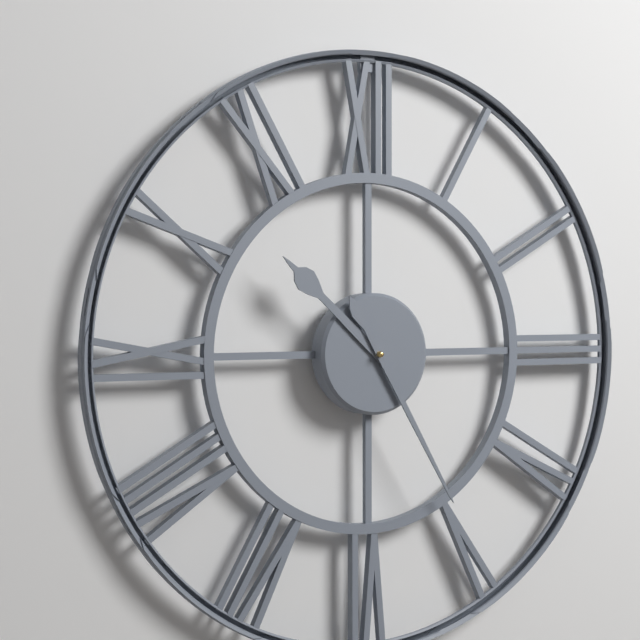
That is 10:25
